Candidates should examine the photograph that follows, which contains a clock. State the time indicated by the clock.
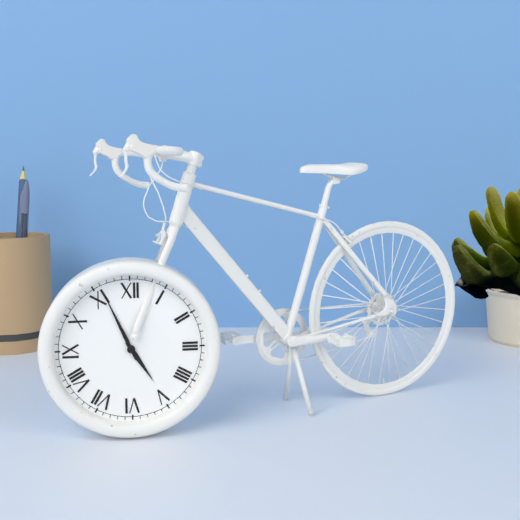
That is 4:56
